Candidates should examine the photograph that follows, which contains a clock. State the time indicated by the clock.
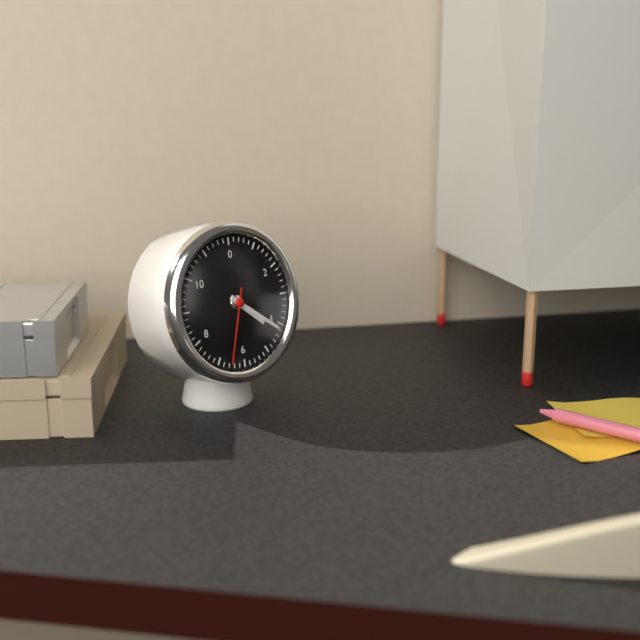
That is 4:21:33
